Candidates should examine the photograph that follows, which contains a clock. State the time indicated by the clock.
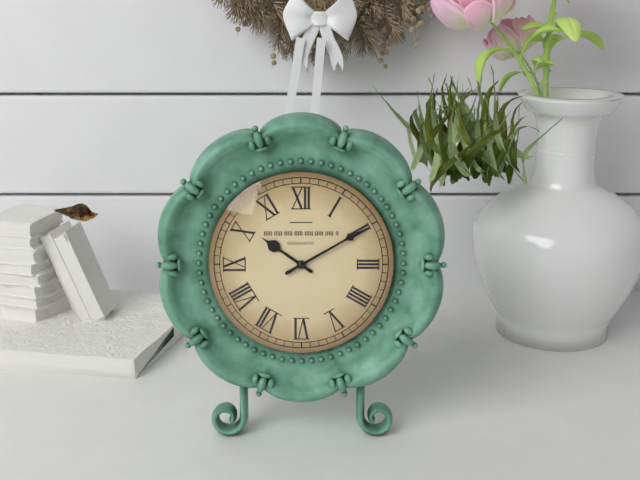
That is 10:10
